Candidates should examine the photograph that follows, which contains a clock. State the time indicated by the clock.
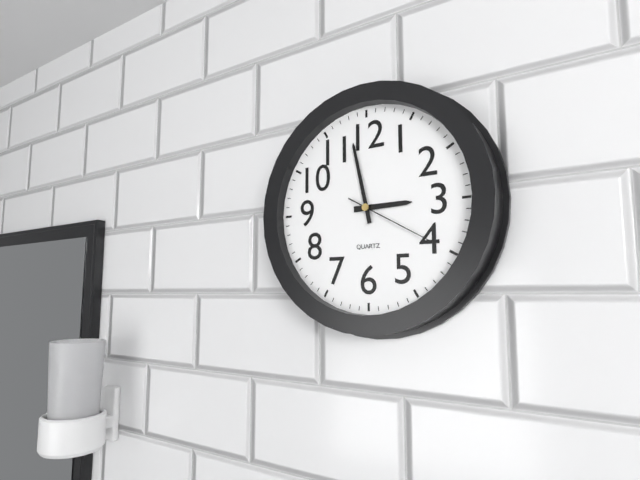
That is 2:58:20
